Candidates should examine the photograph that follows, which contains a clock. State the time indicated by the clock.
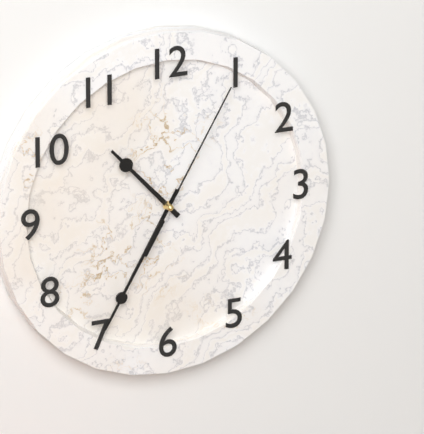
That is 10:35:05
